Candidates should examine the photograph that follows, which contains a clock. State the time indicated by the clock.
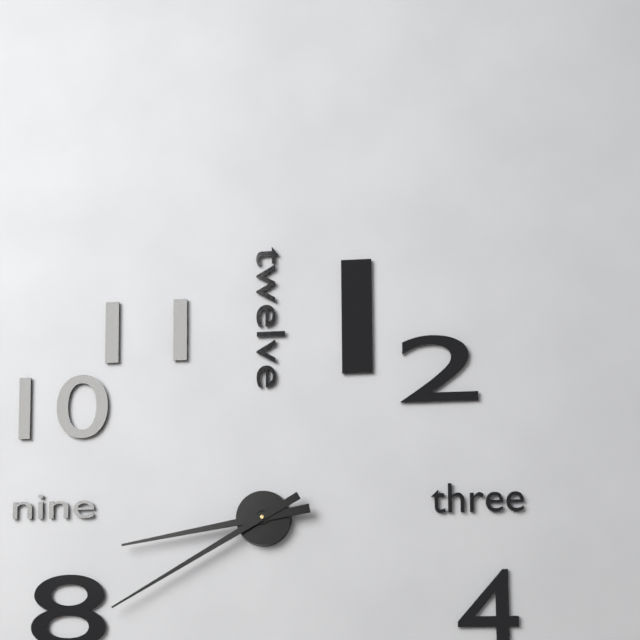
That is 8:40
